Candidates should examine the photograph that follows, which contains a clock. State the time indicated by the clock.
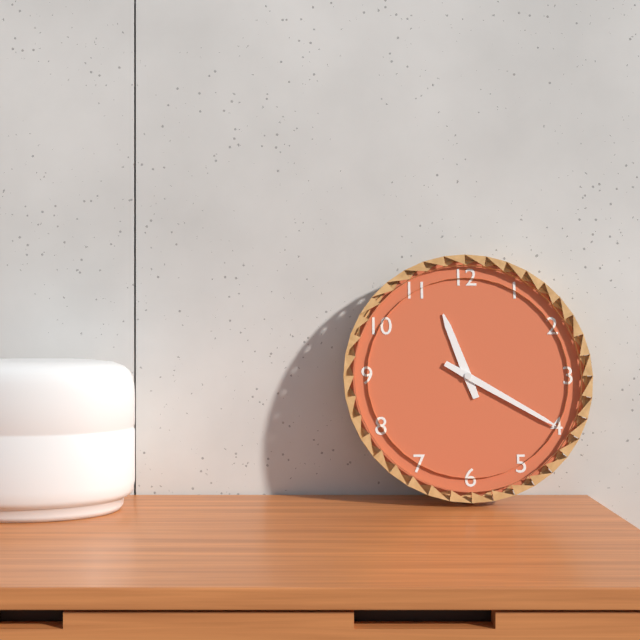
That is 11:20
